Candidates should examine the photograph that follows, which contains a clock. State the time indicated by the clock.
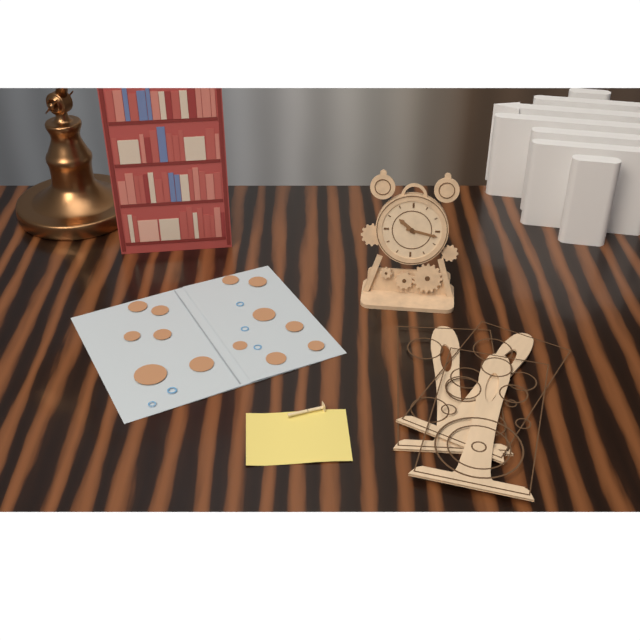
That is 10:17
